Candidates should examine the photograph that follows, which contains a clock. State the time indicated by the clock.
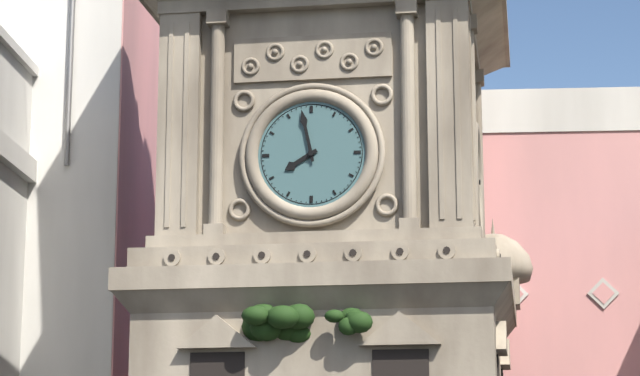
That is 7:58
